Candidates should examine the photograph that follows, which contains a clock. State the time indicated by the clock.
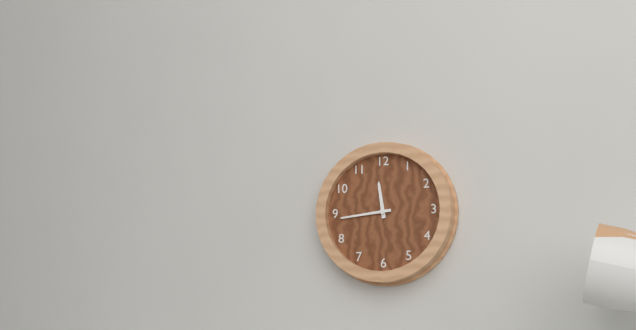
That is 11:44
